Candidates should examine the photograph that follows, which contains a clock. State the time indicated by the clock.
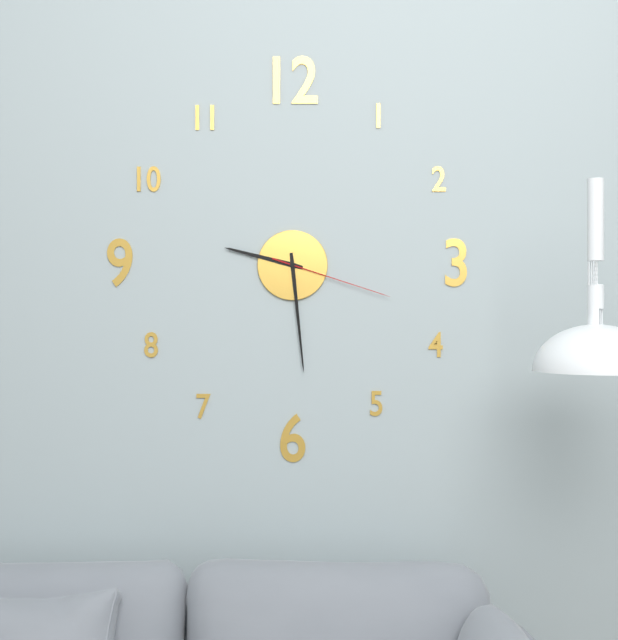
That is 9:29:18
